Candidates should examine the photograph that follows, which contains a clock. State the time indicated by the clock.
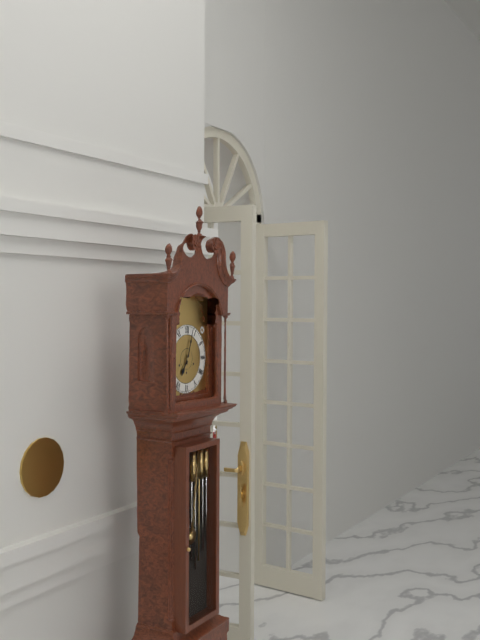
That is 7:03
